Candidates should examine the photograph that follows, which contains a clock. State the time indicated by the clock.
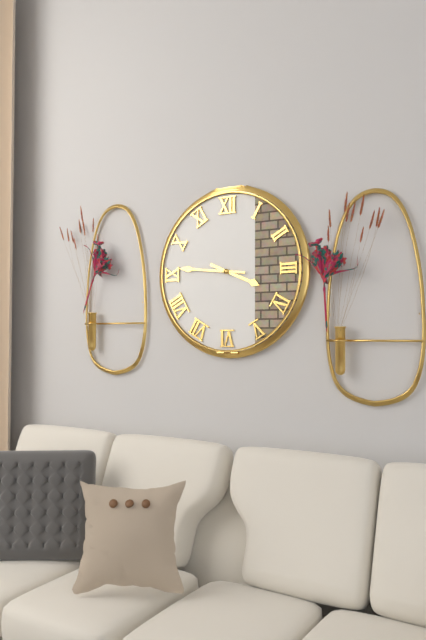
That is 3:46
